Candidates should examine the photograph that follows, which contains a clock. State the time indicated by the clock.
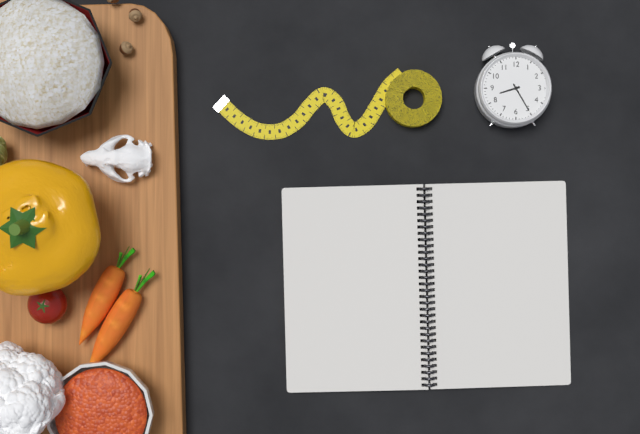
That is 8:25
